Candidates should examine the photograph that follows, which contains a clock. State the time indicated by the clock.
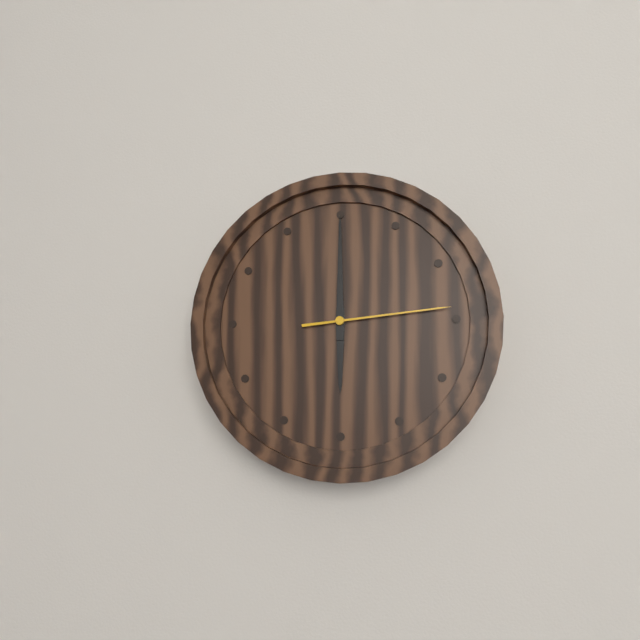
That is 6:00:14
